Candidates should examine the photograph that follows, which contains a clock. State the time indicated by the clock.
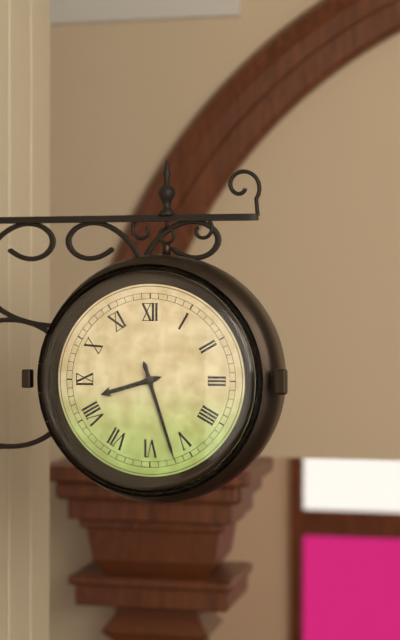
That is 8:27
